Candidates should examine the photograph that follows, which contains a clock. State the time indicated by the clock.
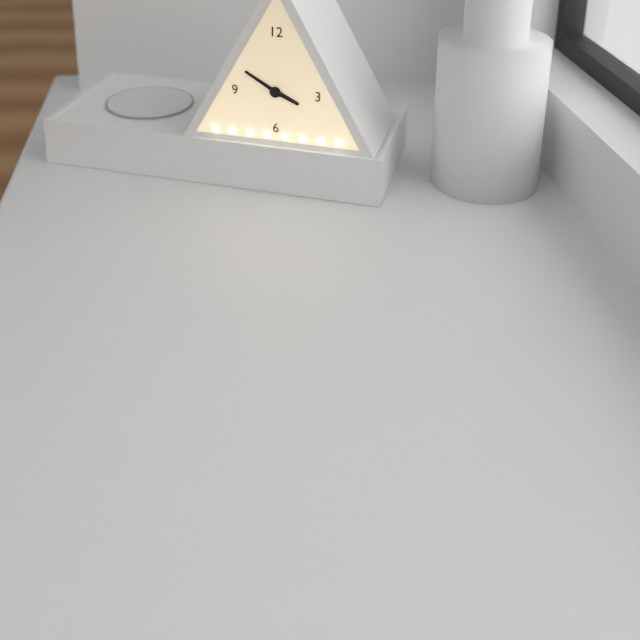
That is 3:50
